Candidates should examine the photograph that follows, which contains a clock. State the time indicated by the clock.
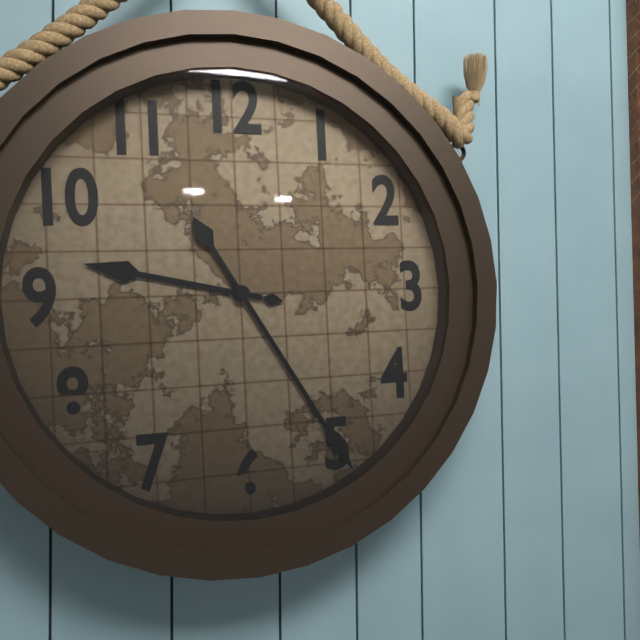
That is 9:25
